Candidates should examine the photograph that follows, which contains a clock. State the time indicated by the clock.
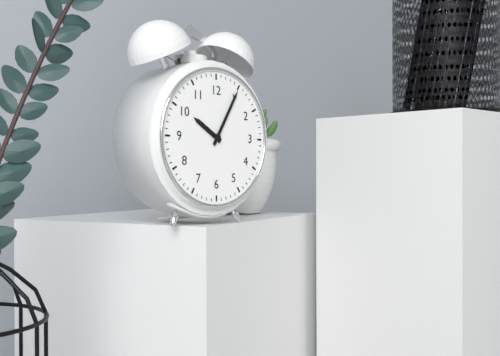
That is 10:05
